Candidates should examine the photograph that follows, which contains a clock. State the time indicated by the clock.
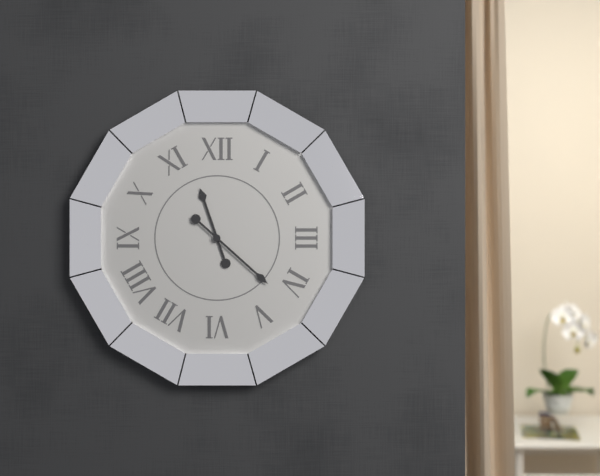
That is 11:22
